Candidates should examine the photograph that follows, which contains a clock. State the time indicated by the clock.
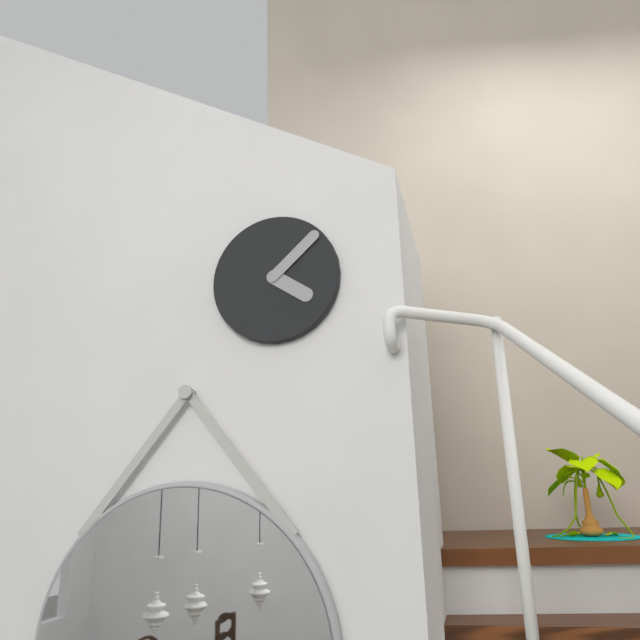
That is 4:08
